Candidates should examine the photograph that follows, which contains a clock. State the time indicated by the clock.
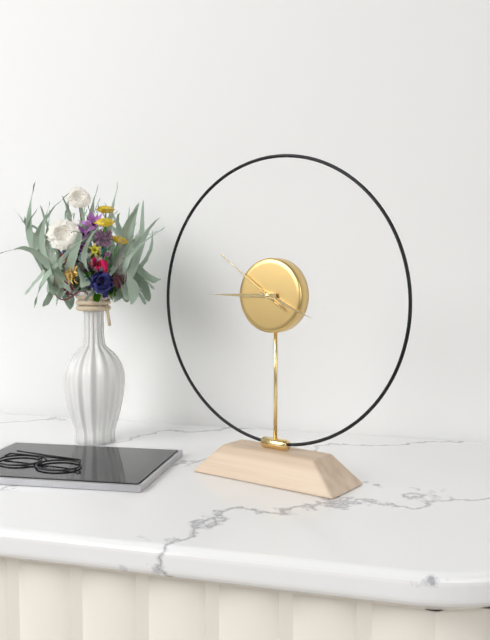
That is 3:45:51
